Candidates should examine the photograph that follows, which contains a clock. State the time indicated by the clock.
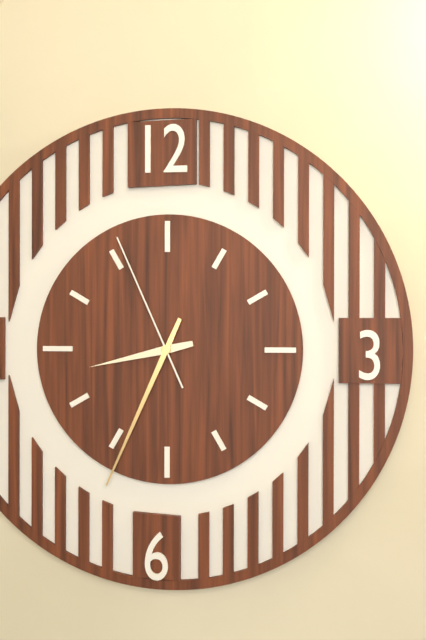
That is 8:34:56
